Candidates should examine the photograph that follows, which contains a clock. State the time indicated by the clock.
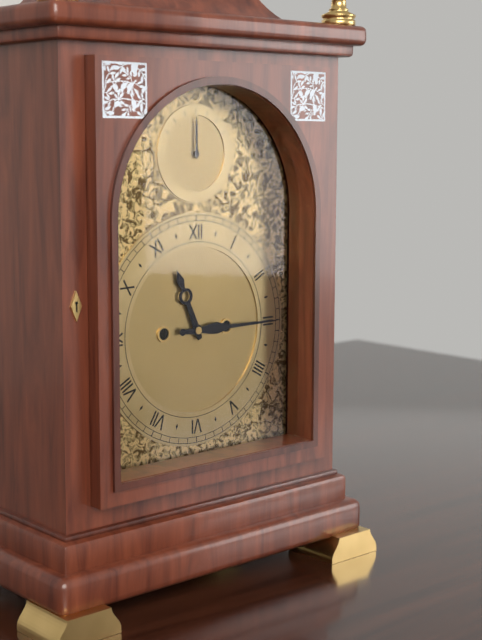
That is 11:15
